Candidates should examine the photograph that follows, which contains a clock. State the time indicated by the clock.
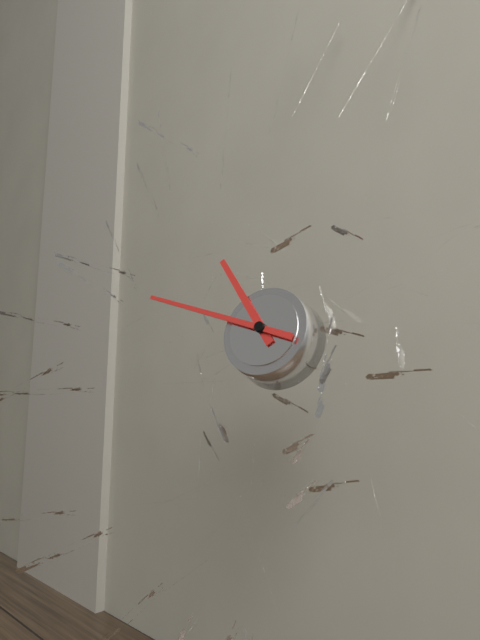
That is 10:48
